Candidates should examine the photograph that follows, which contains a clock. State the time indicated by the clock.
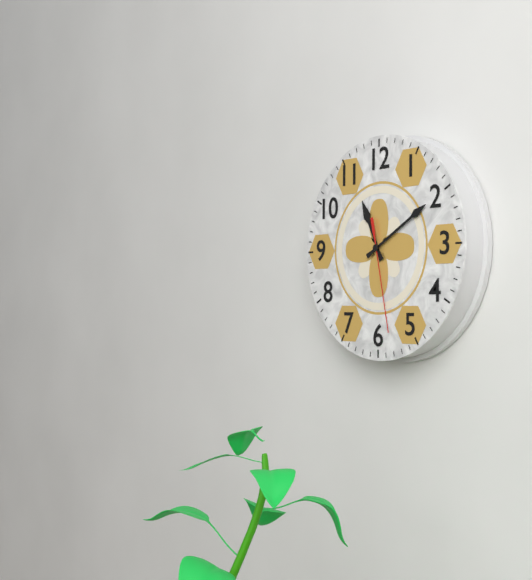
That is 11:10:28
